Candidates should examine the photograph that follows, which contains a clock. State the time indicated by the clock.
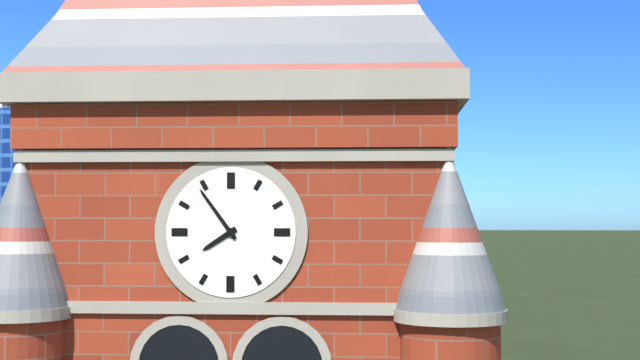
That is 7:54
